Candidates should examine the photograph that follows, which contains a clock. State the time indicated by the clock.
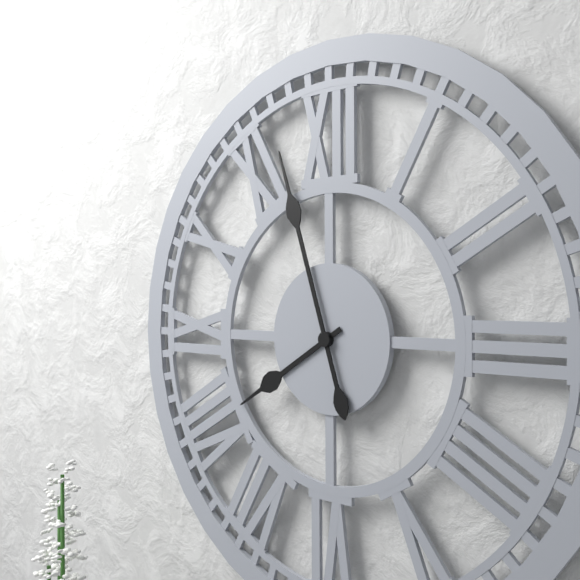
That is 7:57
